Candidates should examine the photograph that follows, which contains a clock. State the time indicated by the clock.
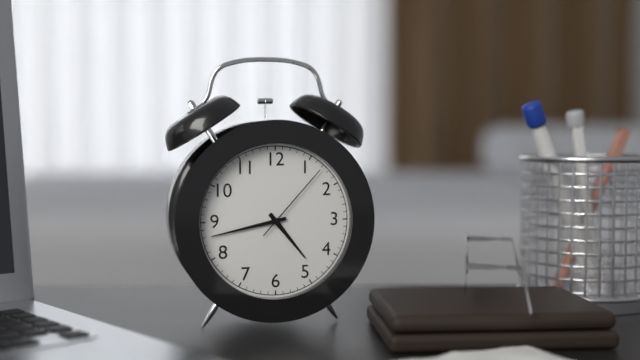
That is 4:43:07
